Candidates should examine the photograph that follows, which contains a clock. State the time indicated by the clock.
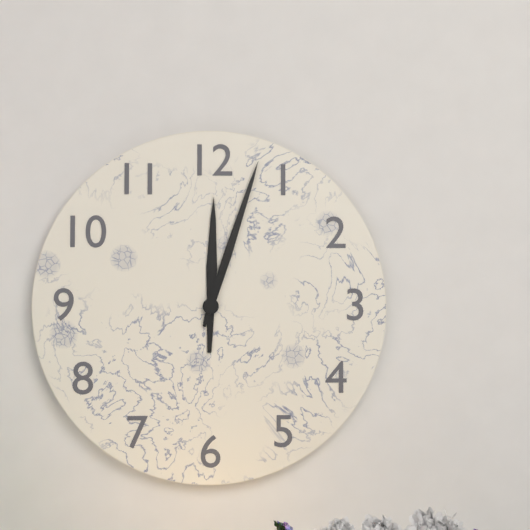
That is 12:03
